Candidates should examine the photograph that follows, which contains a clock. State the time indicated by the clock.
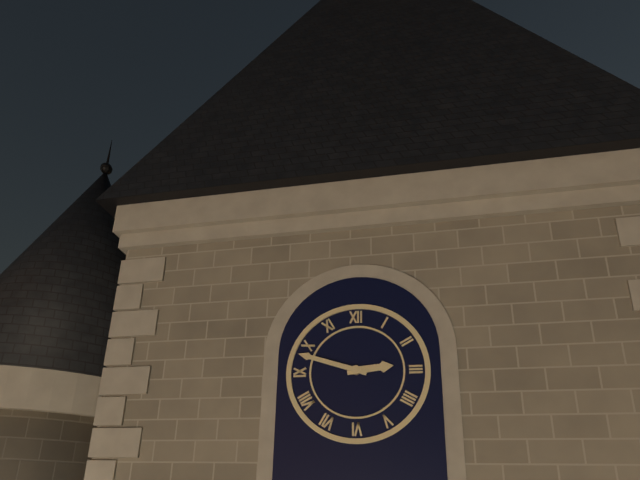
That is 2:48
